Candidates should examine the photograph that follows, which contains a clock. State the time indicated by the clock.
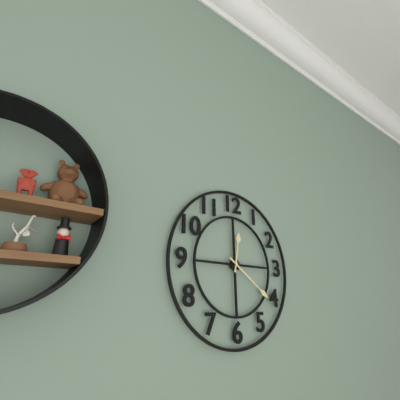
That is 12:21
